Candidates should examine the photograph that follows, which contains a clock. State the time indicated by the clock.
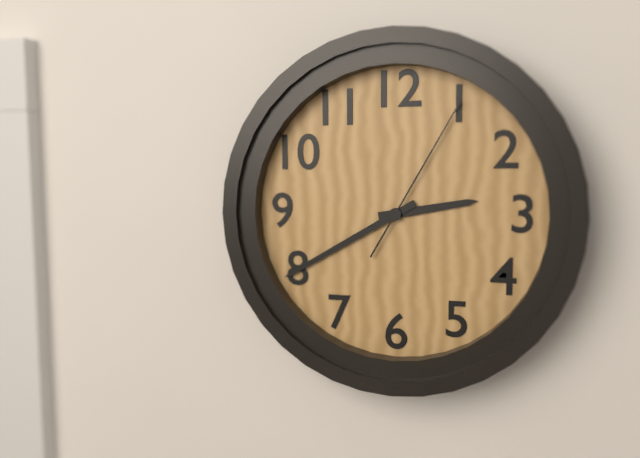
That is 2:40:05
